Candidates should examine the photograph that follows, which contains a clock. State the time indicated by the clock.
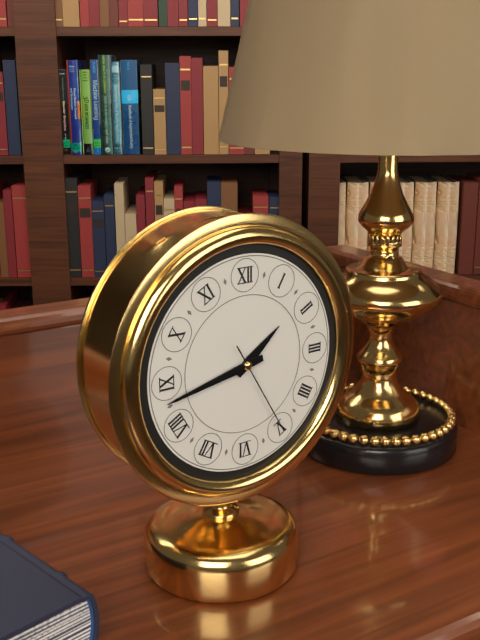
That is 1:43:25
